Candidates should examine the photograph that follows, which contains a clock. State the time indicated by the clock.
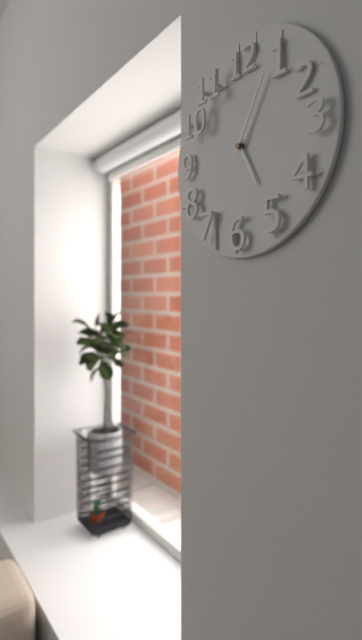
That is 5:05
